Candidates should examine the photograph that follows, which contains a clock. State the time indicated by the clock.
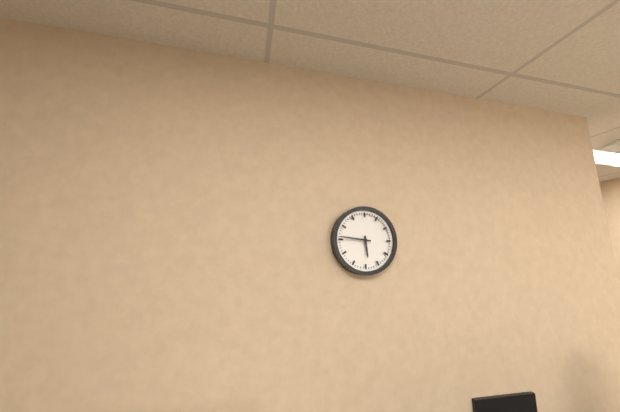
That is 5:46
